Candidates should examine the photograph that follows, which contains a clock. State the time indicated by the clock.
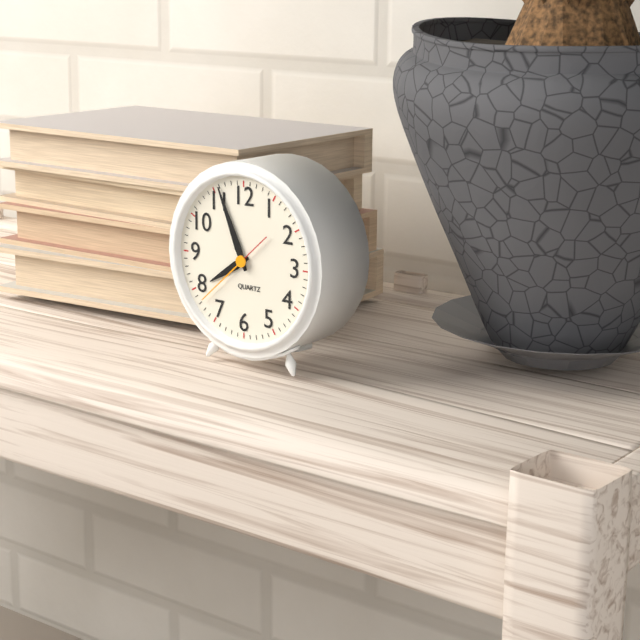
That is 7:56:38
